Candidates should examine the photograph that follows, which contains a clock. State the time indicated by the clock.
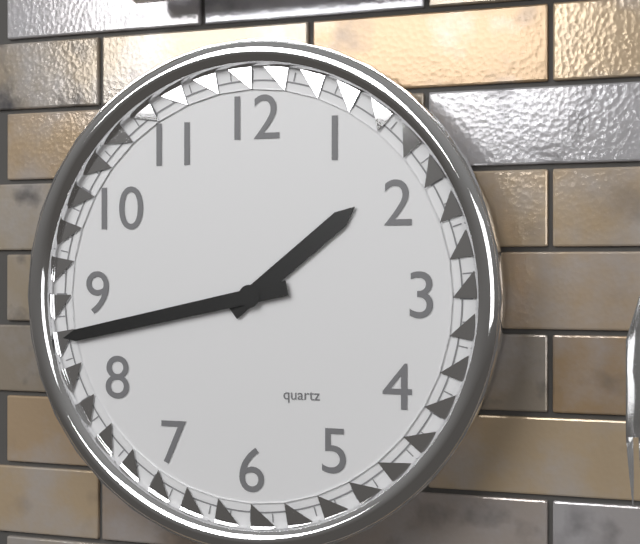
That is 1:43
